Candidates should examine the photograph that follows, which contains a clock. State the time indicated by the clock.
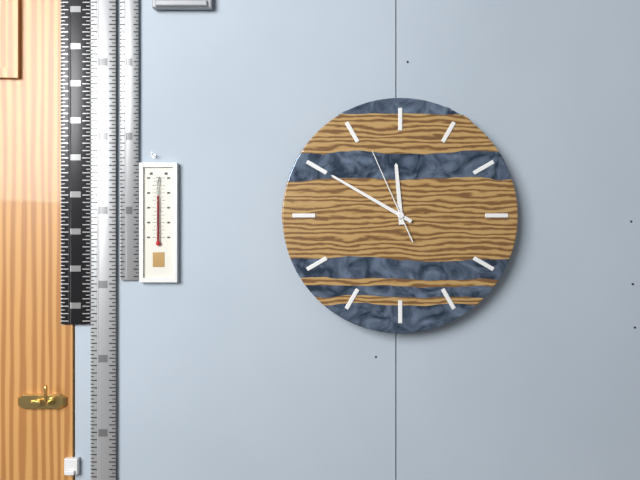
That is 11:50:56
